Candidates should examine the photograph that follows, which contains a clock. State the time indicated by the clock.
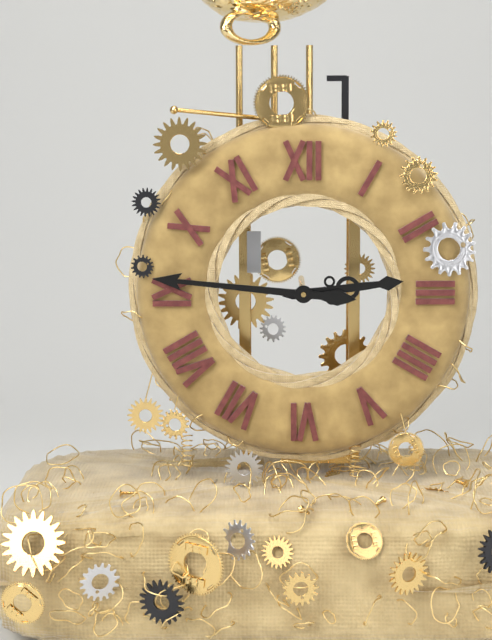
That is 2:46
